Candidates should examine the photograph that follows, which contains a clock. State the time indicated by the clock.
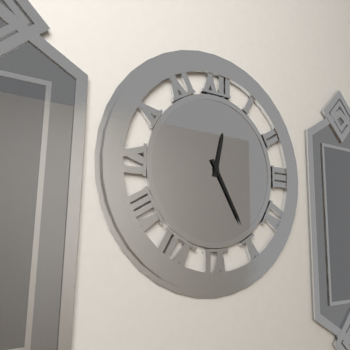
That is 12:25
